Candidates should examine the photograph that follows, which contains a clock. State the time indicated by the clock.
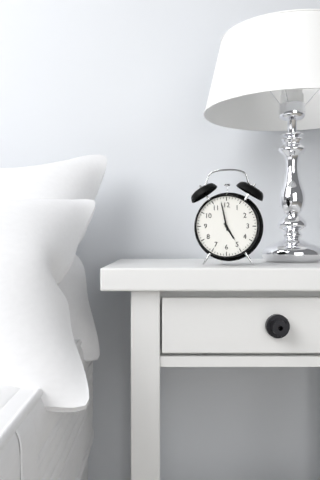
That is 4:58
